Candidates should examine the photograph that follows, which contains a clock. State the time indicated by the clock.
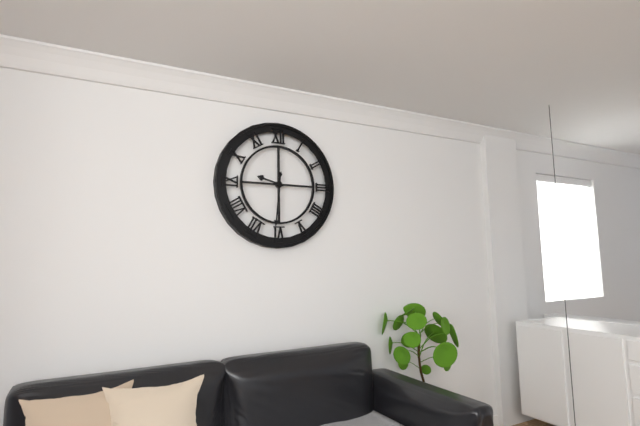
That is 9:31
